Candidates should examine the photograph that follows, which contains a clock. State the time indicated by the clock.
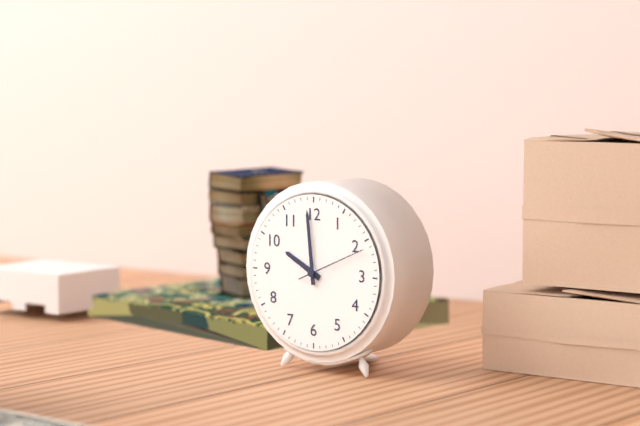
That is 9:59:11
